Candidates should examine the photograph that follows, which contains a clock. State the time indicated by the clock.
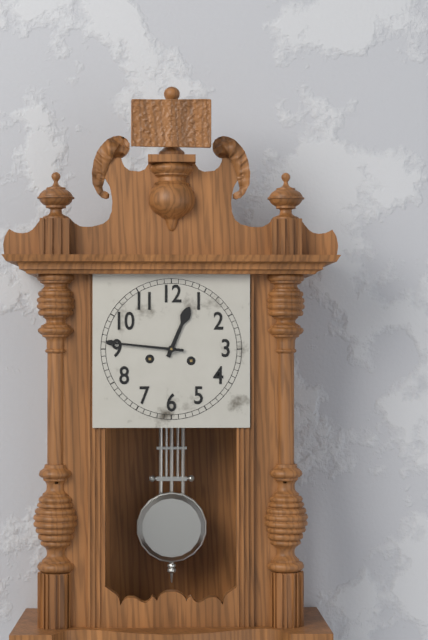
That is 12:46
